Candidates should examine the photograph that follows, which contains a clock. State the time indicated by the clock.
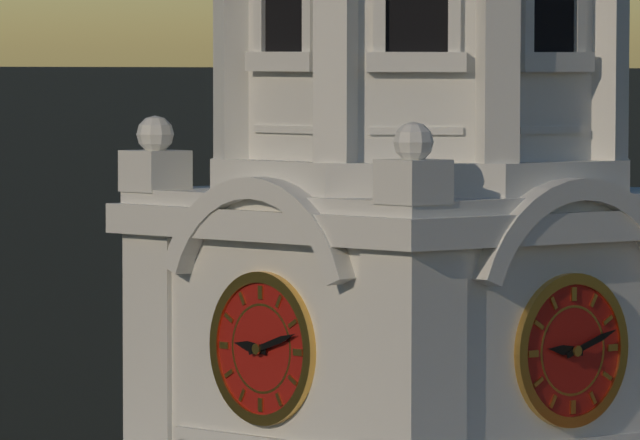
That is 9:12
